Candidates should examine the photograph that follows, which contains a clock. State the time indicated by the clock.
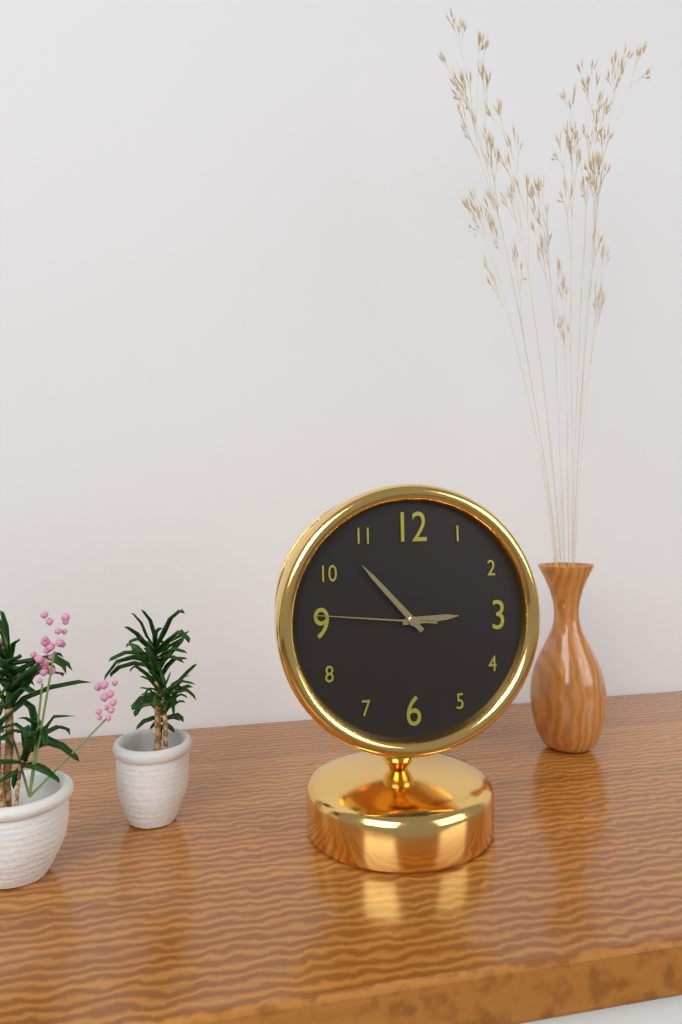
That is 2:53:46
